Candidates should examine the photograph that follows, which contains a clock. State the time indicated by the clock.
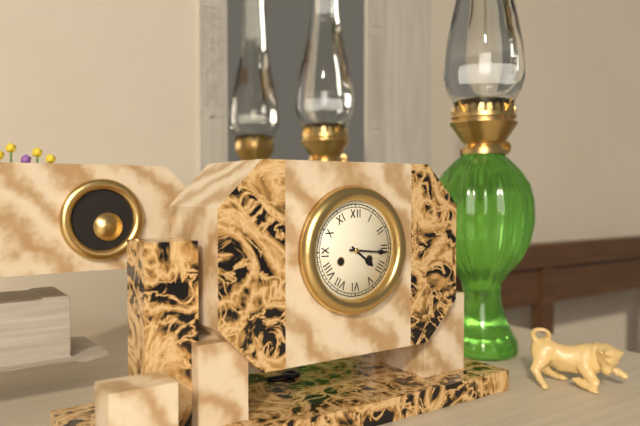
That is 4:16
